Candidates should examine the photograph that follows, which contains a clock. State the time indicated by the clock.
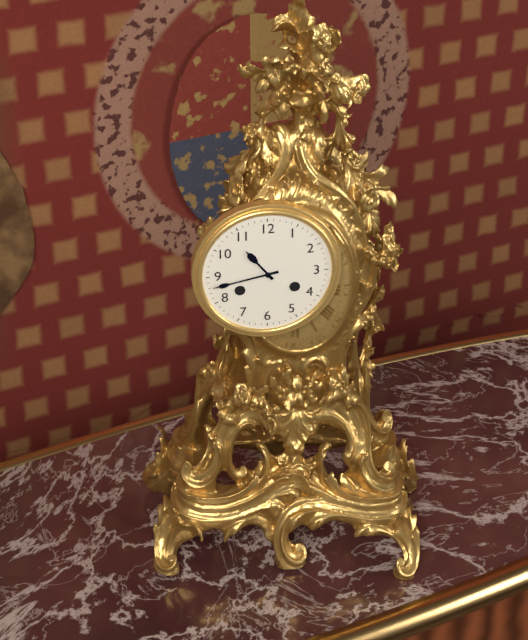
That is 10:43
